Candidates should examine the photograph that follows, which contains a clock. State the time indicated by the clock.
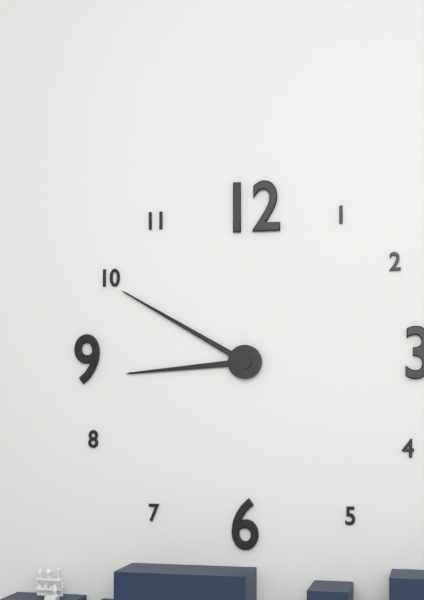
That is 8:50
